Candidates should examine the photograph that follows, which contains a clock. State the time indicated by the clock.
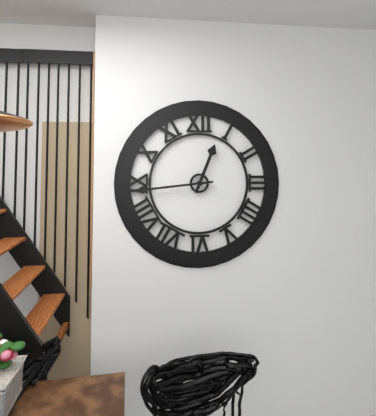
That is 12:44
